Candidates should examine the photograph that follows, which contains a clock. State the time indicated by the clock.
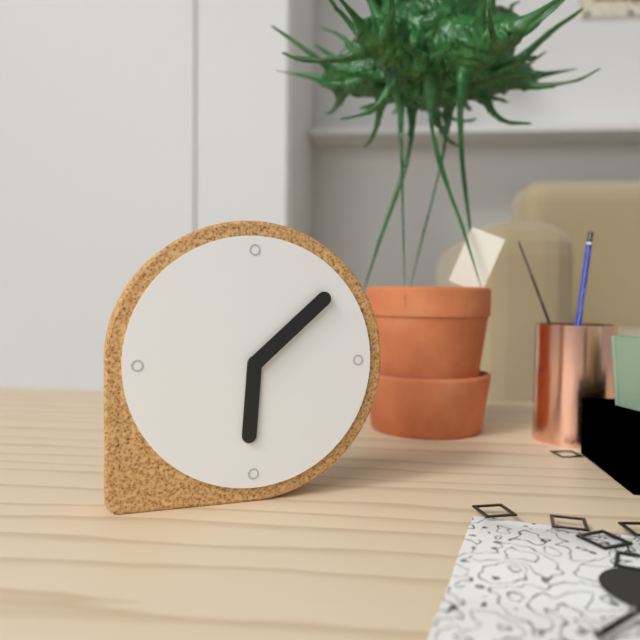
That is 6:08
